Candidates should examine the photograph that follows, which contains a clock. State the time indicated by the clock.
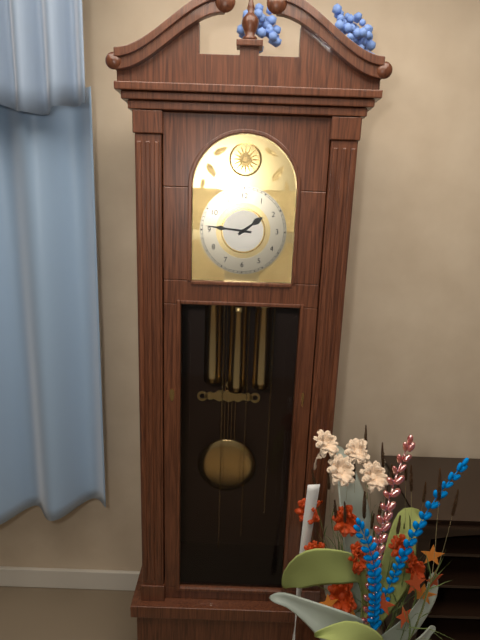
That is 1:46
